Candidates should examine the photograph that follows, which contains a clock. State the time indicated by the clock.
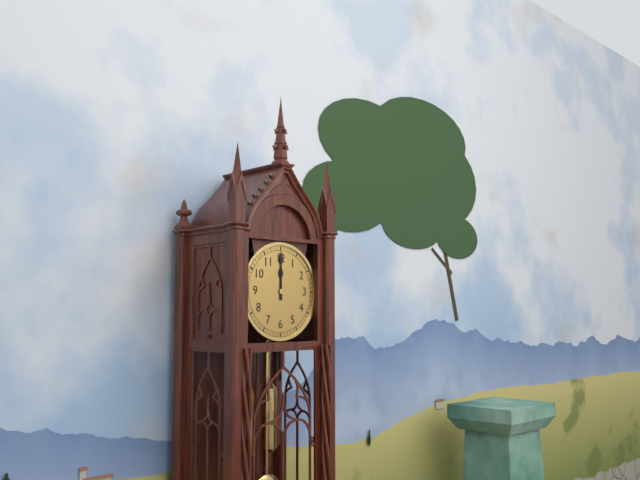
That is 12:00
